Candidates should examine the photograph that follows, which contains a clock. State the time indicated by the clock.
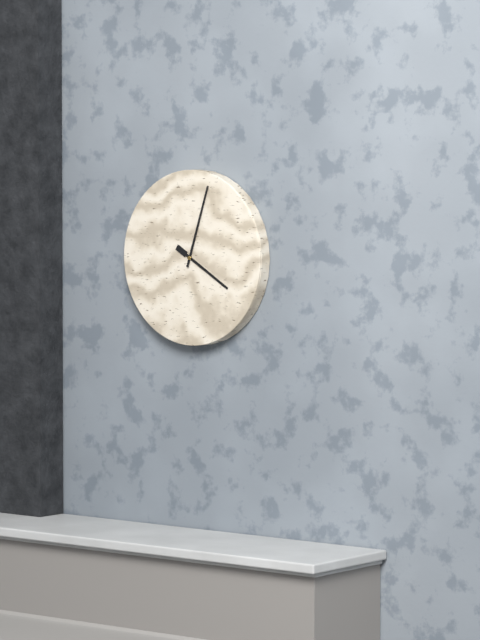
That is 4:03
